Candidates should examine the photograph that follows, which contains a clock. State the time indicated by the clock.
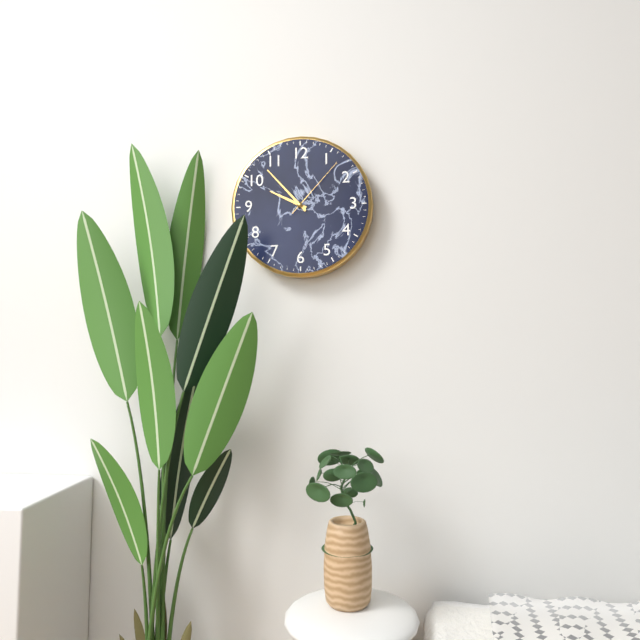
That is 9:53:07
